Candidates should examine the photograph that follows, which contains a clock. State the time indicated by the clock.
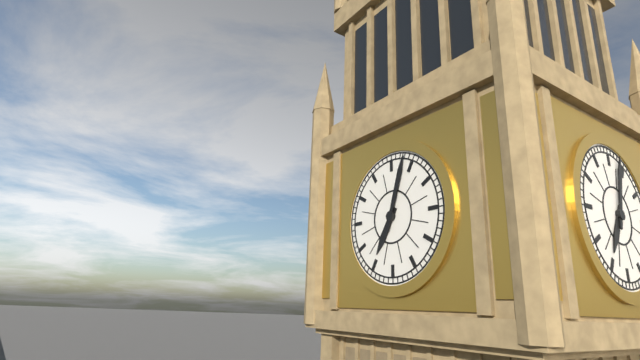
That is 7:03
